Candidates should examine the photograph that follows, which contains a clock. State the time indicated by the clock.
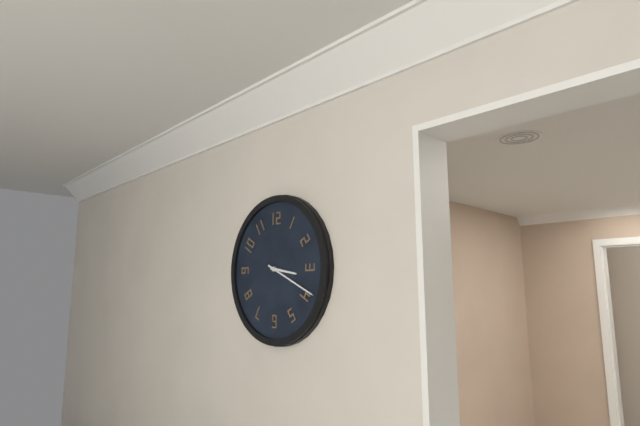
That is 3:19
